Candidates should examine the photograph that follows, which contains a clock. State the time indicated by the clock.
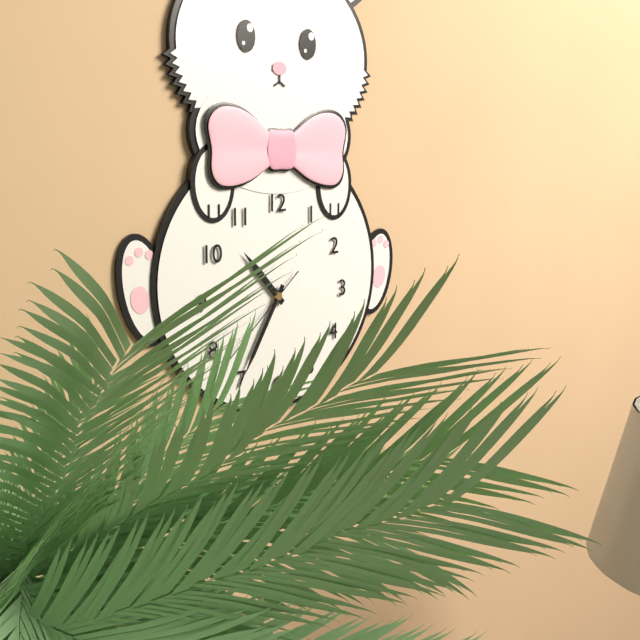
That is 10:35
